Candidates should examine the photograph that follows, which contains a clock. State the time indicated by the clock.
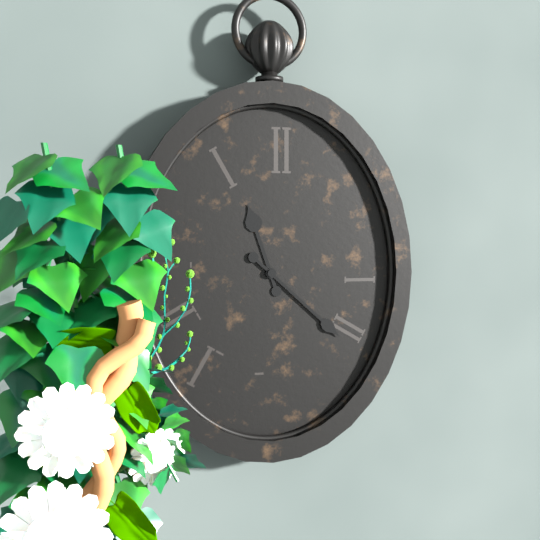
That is 11:22
